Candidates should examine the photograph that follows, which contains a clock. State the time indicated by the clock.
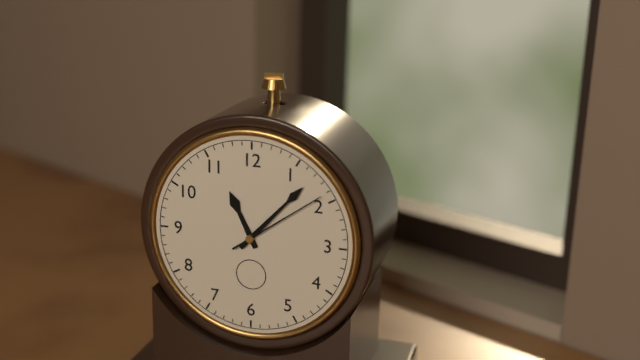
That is 11:07:09
